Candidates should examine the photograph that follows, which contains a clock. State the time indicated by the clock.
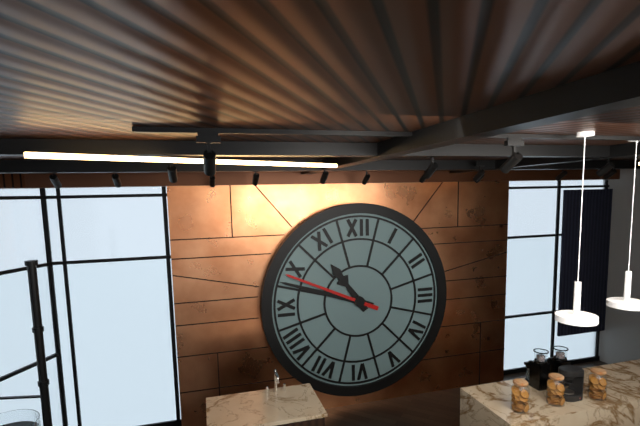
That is 10:48:49
